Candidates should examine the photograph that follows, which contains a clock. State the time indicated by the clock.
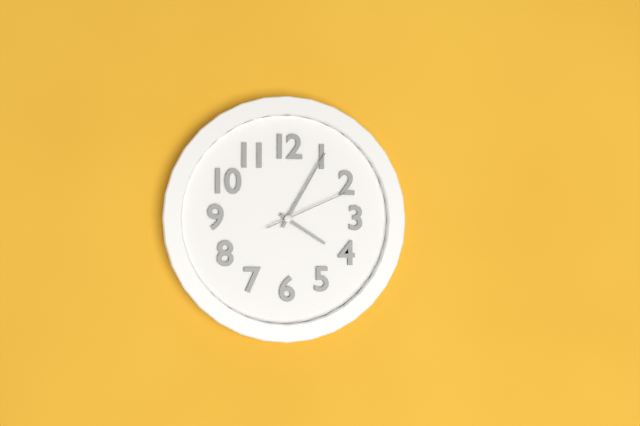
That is 4:05:11
